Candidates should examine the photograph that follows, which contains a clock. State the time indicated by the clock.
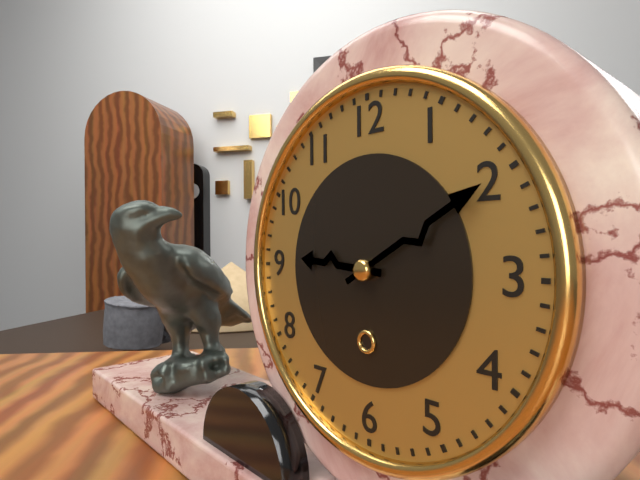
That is 9:10
